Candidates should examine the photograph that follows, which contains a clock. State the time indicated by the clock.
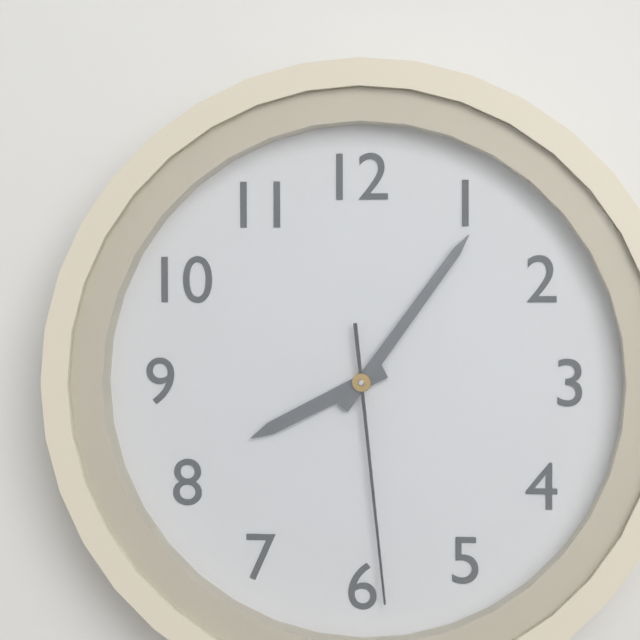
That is 8:06:29
